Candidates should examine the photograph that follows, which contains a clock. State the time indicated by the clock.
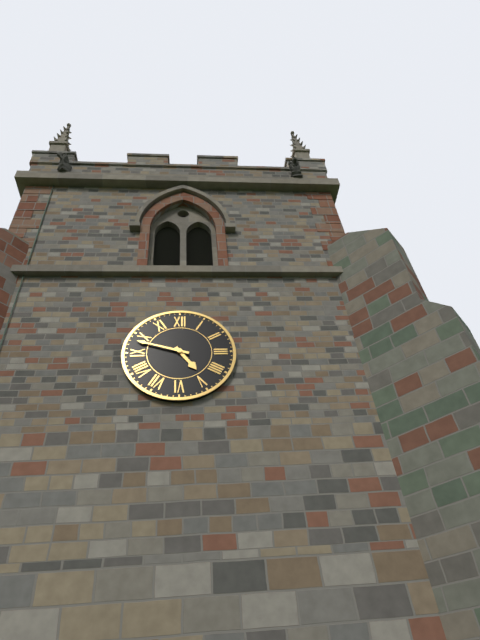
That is 4:48
